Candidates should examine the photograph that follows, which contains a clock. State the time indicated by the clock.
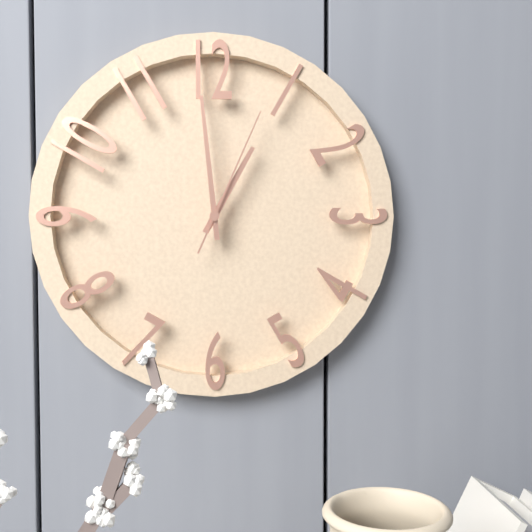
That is 12:59:04
